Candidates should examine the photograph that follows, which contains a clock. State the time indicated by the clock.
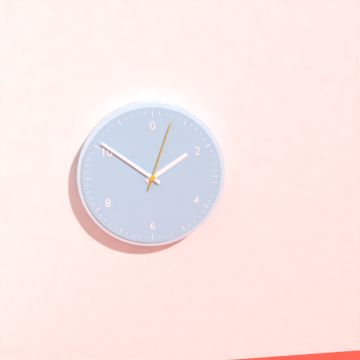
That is 1:51:03
